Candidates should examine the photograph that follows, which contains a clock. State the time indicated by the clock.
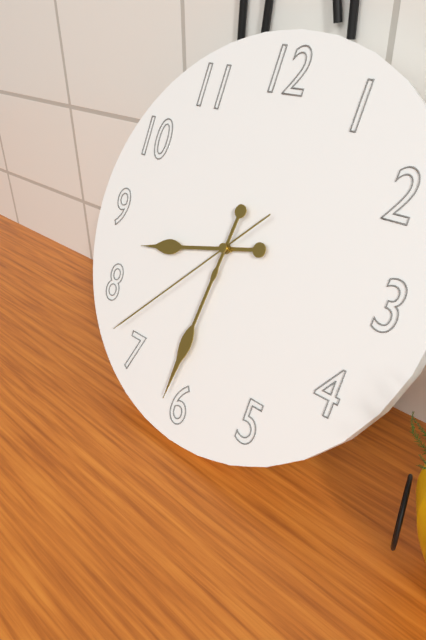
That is 8:31:37
